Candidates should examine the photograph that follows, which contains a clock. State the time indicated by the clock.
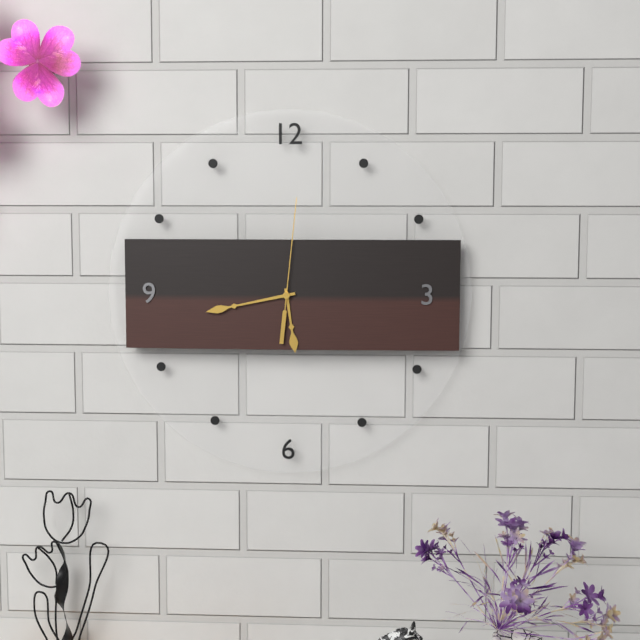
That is 5:43:01
